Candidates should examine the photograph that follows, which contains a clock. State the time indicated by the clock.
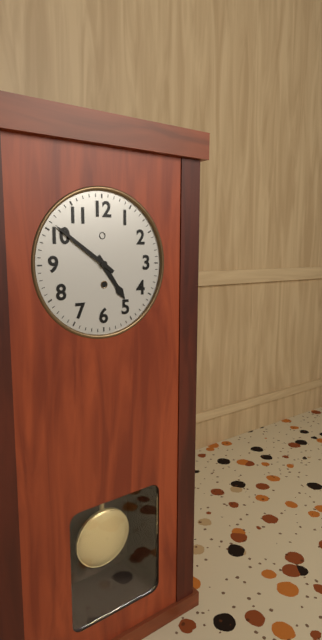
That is 4:51
